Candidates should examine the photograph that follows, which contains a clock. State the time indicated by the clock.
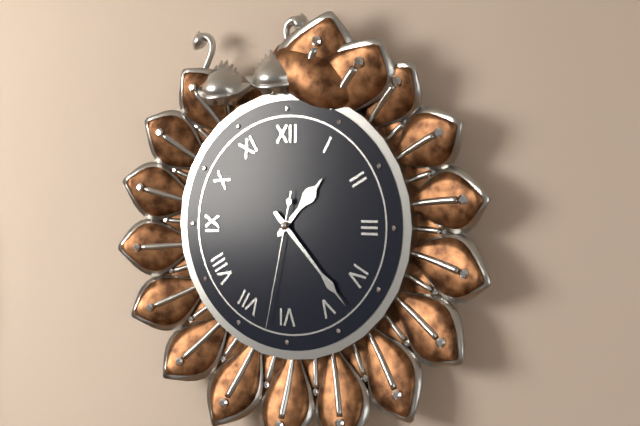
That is 1:23:32
